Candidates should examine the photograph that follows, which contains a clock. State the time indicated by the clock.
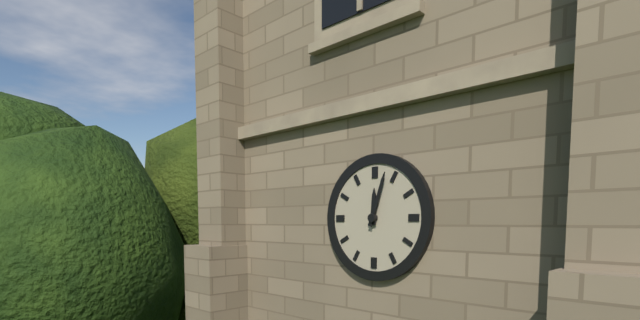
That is 12:03
